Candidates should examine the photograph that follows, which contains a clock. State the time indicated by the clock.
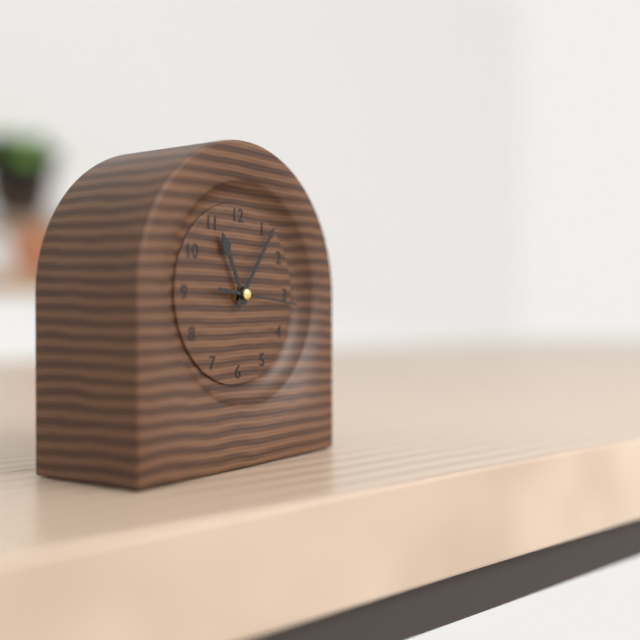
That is 11:06:16
